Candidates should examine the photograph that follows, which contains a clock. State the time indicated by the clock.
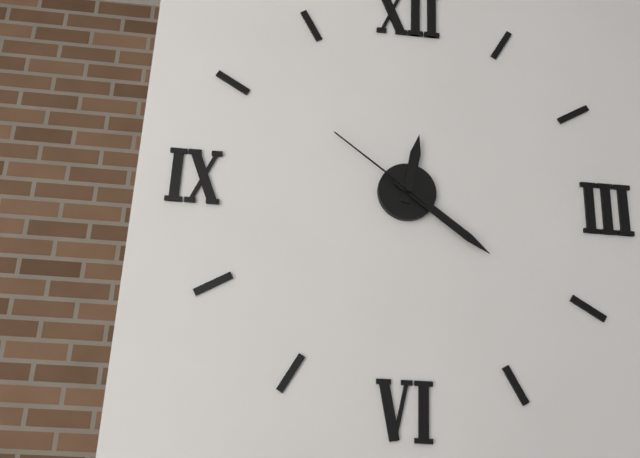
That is 12:21:51
